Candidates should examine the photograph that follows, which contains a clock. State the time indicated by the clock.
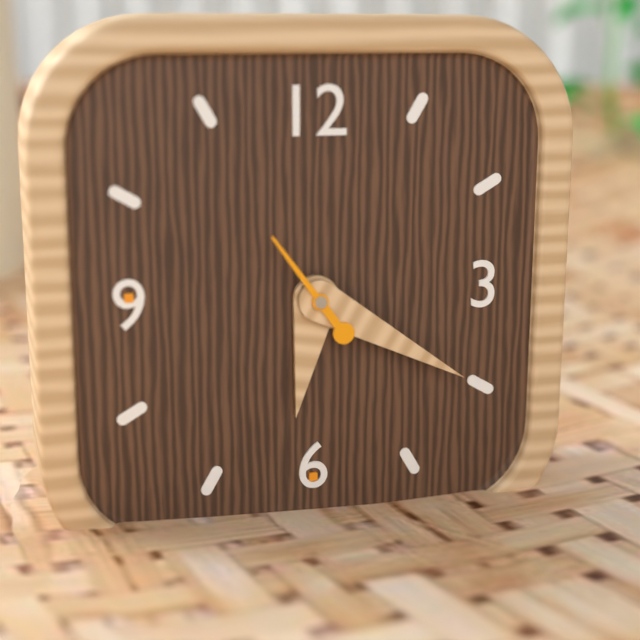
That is 6:20:54
